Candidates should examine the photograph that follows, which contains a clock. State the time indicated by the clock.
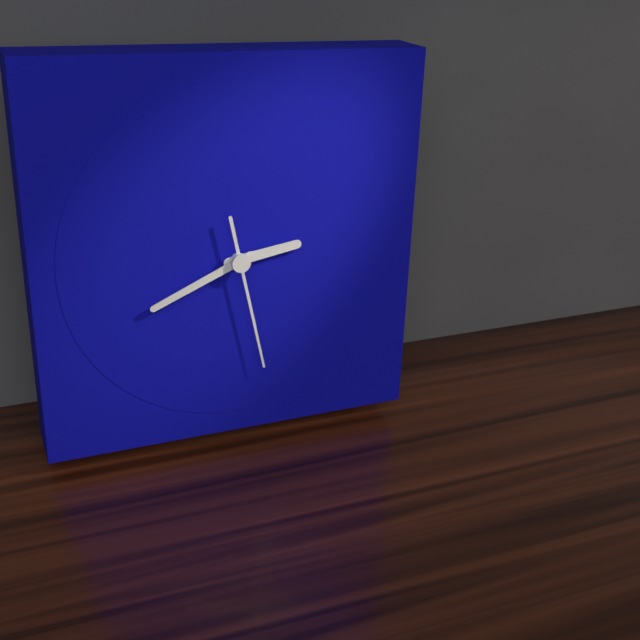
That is 2:41:28
